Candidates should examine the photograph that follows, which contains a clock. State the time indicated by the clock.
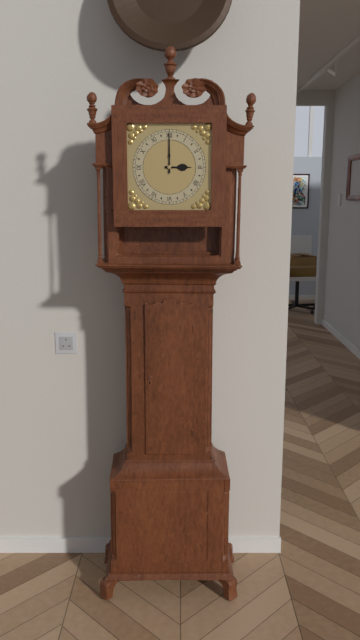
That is 3:00
